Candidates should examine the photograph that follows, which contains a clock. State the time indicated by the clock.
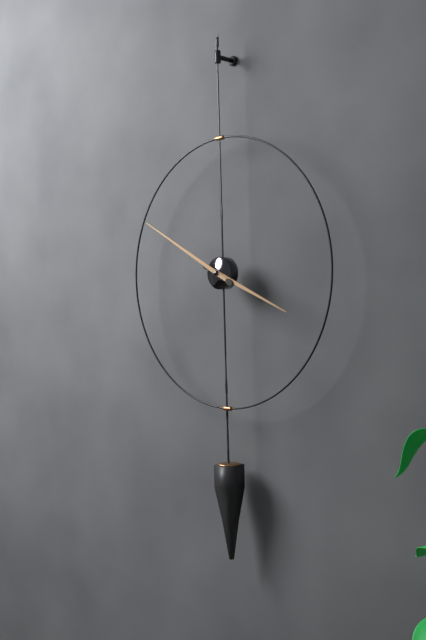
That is 3:50
